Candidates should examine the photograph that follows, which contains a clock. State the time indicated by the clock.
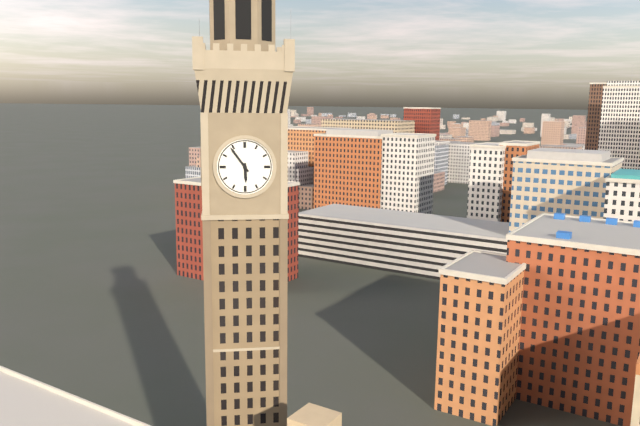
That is 5:54
